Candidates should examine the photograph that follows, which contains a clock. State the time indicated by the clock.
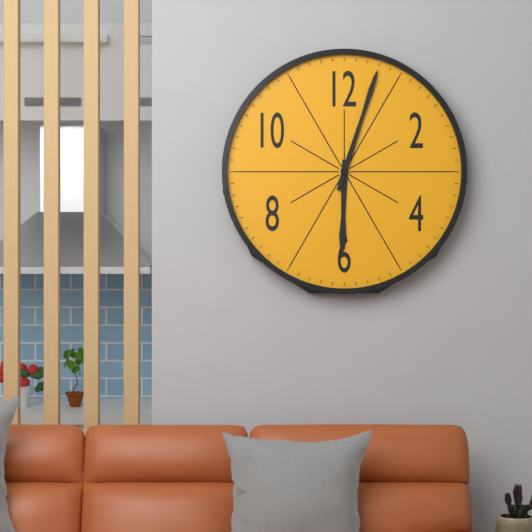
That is 6:03
